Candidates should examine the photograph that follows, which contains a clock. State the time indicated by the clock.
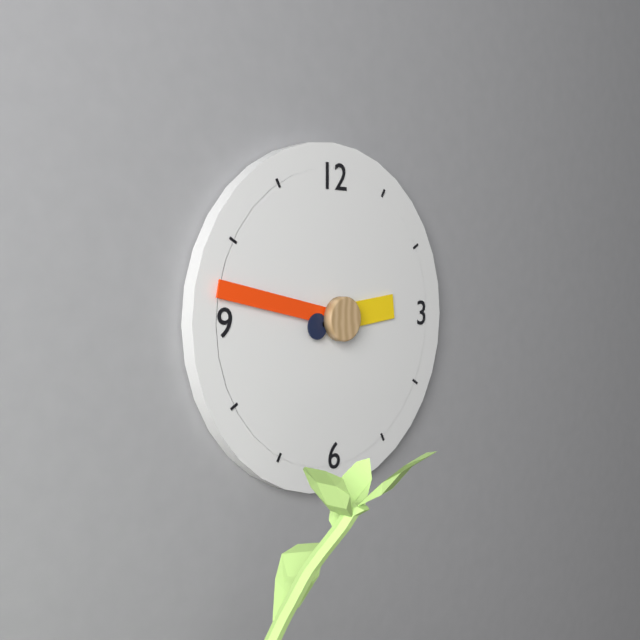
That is 2:47
